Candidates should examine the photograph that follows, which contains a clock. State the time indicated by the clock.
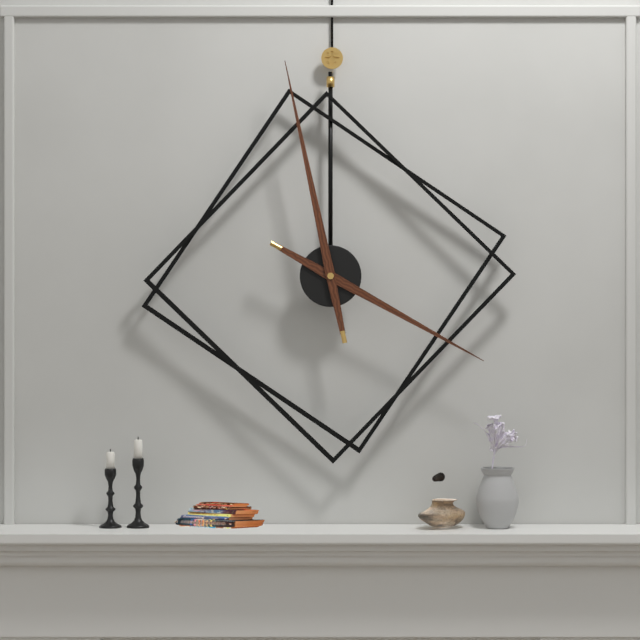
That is 3:58
